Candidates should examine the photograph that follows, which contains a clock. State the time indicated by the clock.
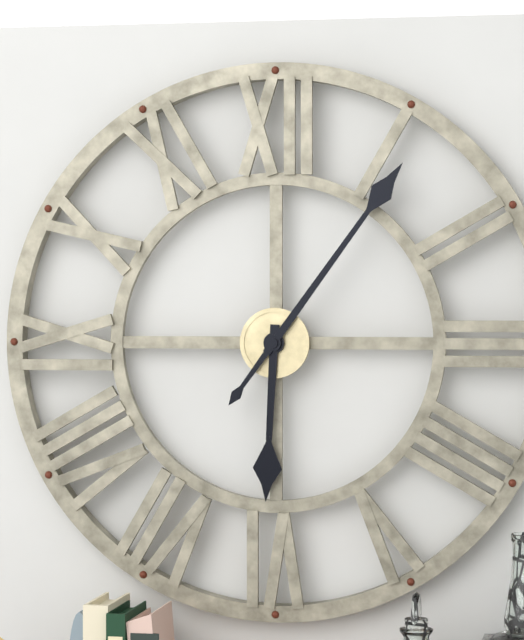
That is 6:06
